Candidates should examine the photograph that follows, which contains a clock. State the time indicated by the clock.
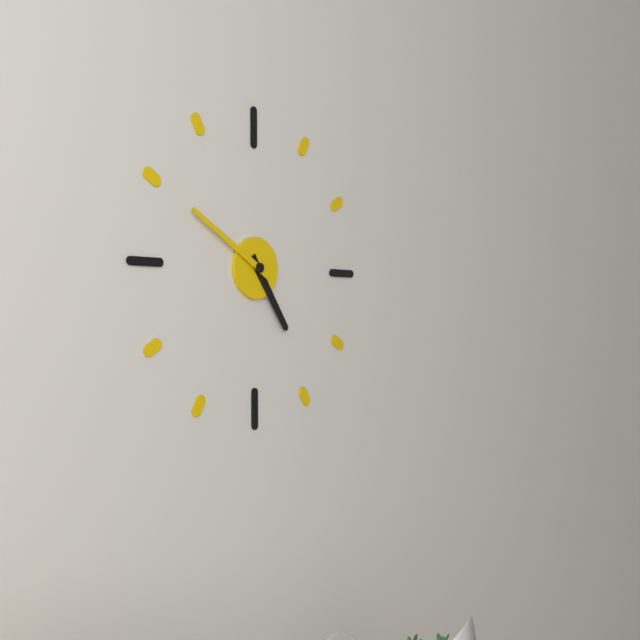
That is 4:50
